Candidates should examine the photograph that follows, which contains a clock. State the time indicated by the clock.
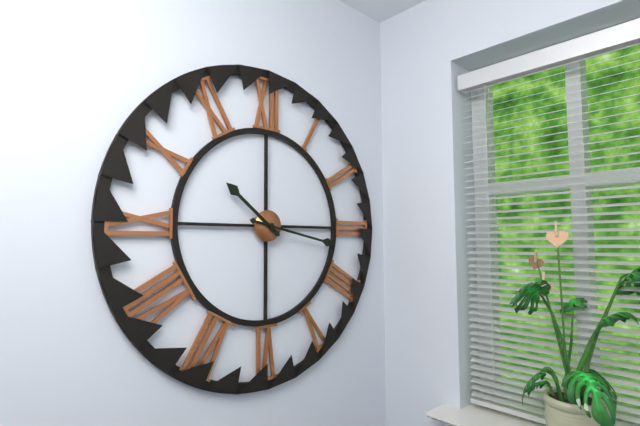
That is 10:17
